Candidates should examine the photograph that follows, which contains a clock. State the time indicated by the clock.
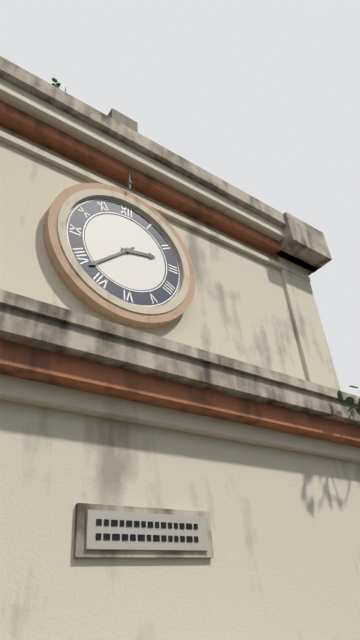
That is 2:38
